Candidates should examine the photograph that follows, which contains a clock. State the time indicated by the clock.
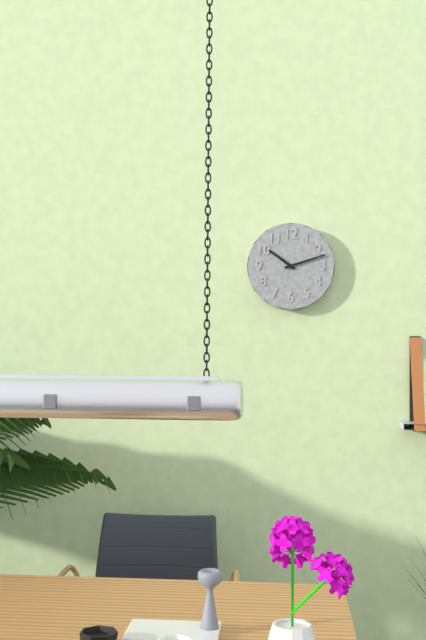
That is 10:12
